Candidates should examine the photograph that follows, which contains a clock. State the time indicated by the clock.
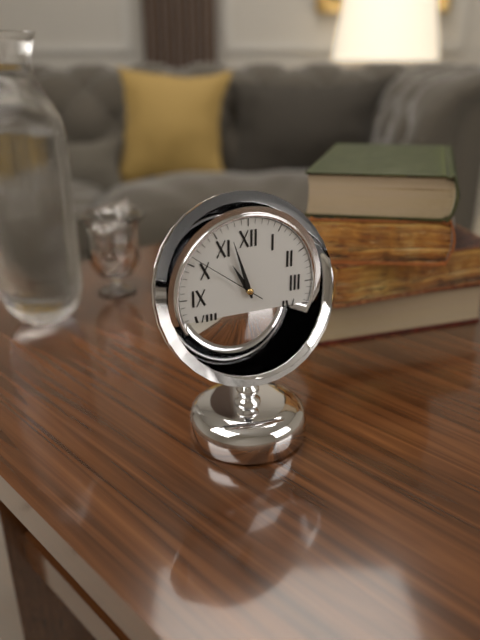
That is 10:57:51
